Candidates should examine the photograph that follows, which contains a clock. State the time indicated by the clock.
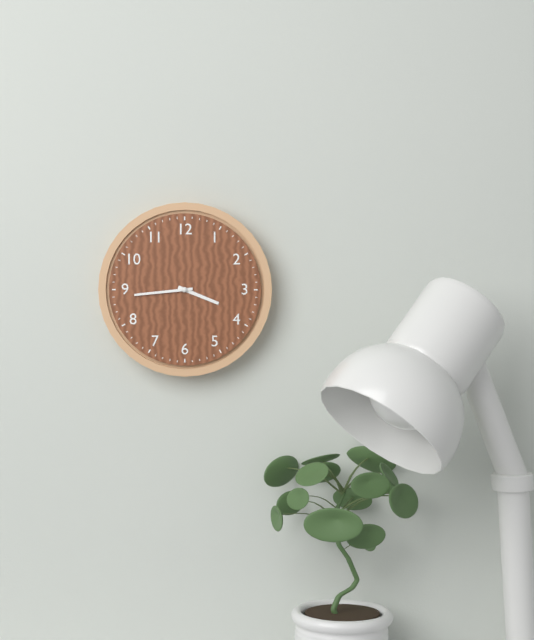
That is 3:44
